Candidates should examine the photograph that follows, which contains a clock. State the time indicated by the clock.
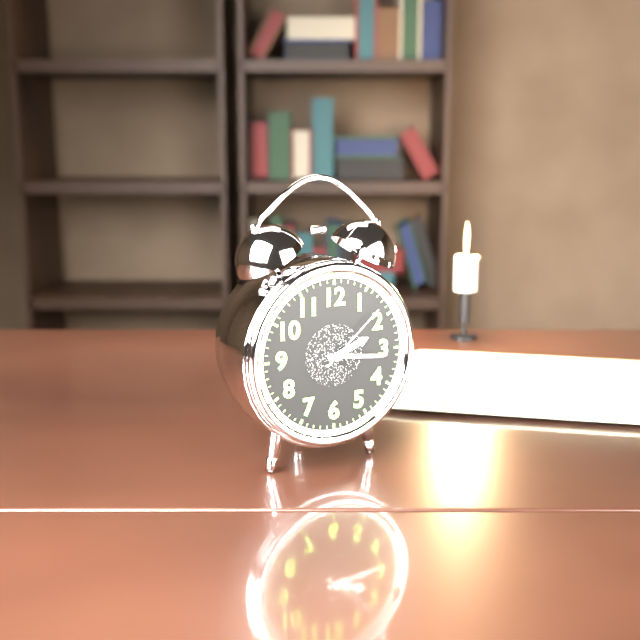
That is 2:16:08
